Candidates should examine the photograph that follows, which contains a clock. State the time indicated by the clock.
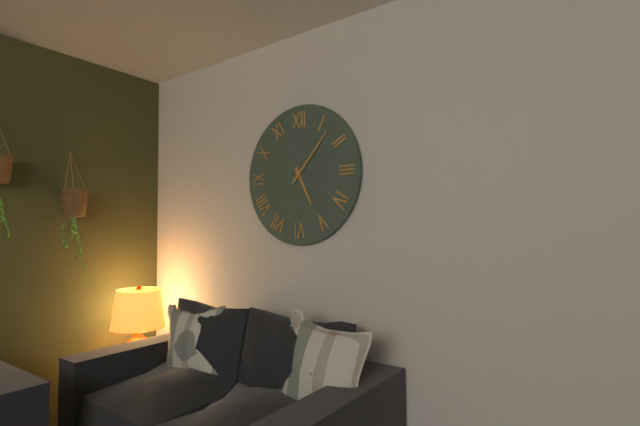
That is 5:07
